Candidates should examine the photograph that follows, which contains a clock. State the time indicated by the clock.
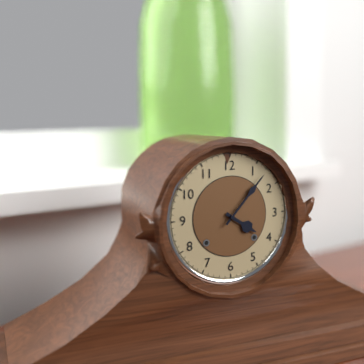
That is 4:07
